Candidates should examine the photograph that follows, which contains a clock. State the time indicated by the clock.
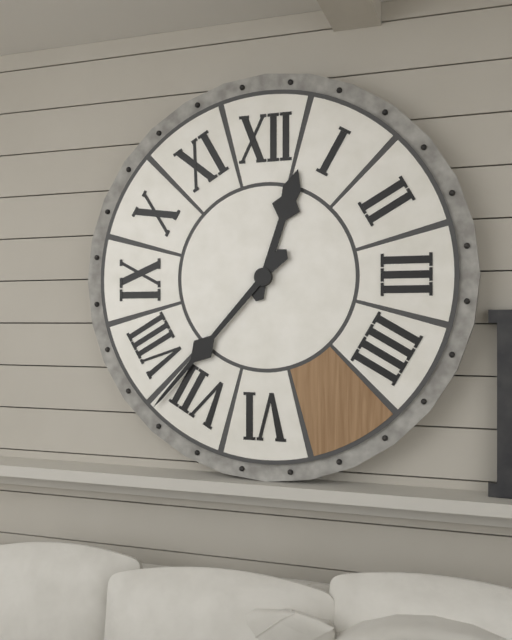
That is 12:37
